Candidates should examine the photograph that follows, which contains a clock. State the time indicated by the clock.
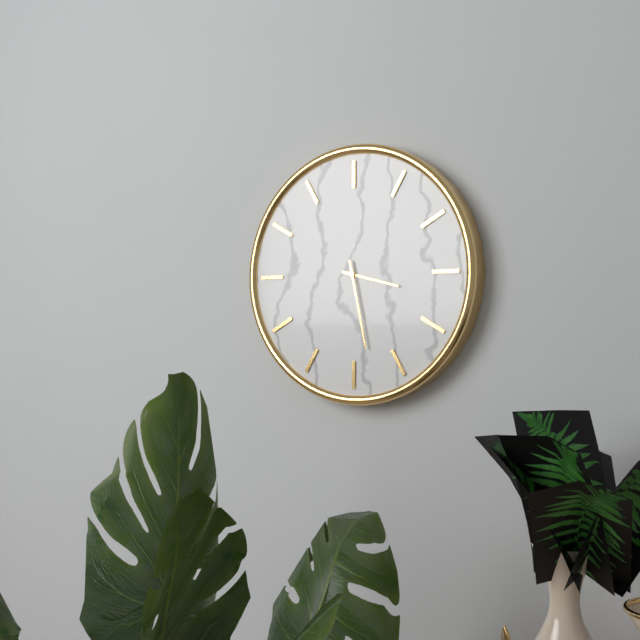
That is 3:28
